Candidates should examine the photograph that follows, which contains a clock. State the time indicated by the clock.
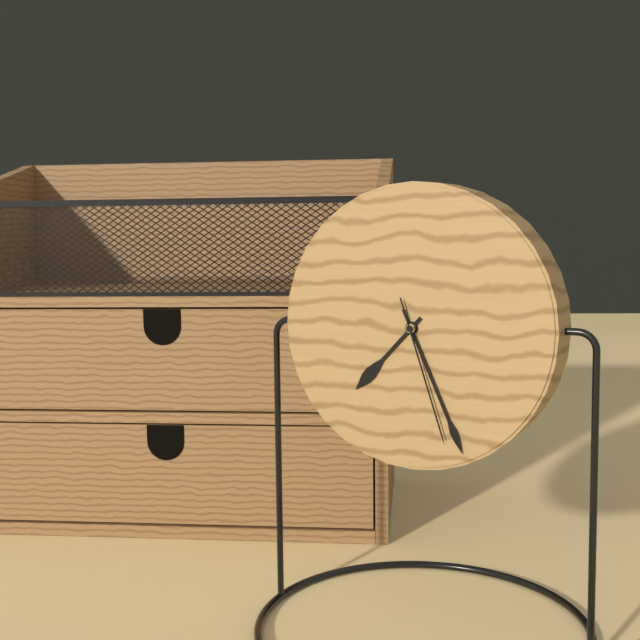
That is 7:26:27
